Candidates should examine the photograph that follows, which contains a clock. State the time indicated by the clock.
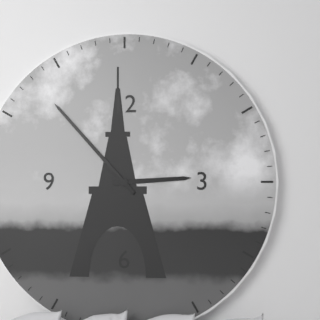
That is 2:53
